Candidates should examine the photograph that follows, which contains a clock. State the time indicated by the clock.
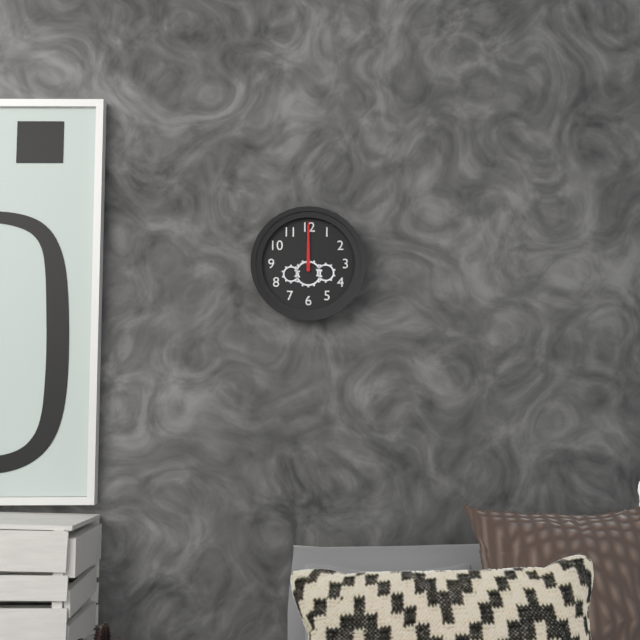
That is 12:00
